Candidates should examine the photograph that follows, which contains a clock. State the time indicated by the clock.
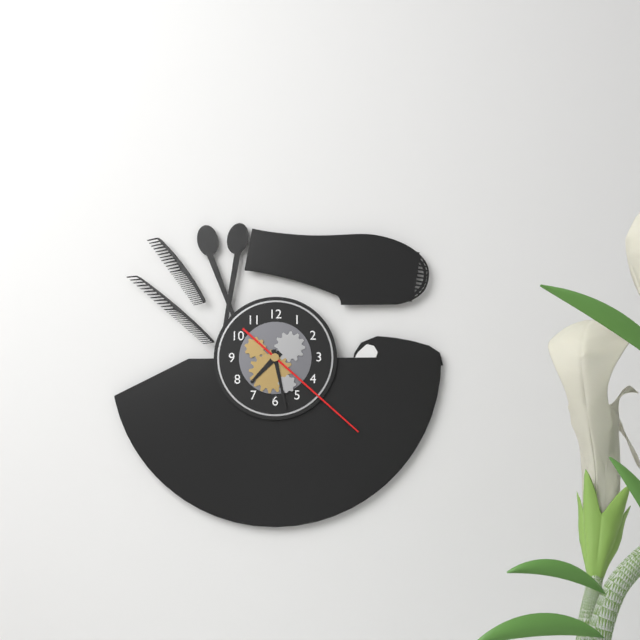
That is 7:28:22
